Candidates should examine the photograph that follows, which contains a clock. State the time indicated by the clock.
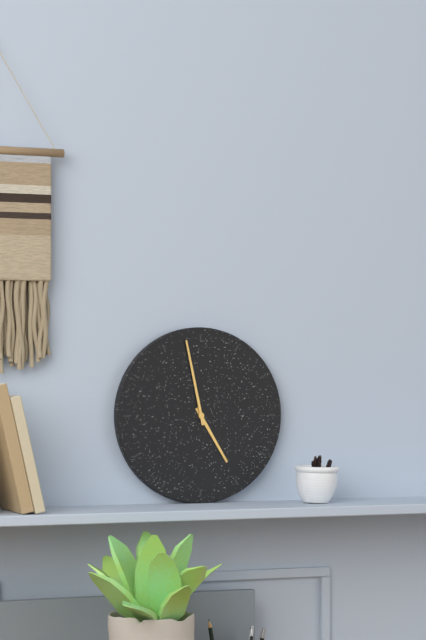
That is 4:58
